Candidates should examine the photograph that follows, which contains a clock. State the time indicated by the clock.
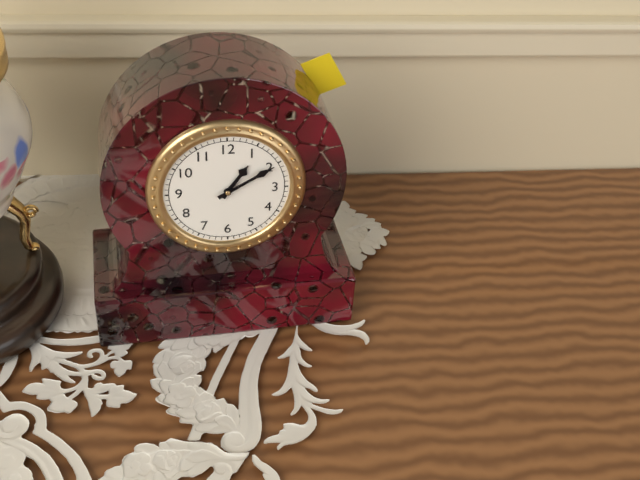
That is 1:10
